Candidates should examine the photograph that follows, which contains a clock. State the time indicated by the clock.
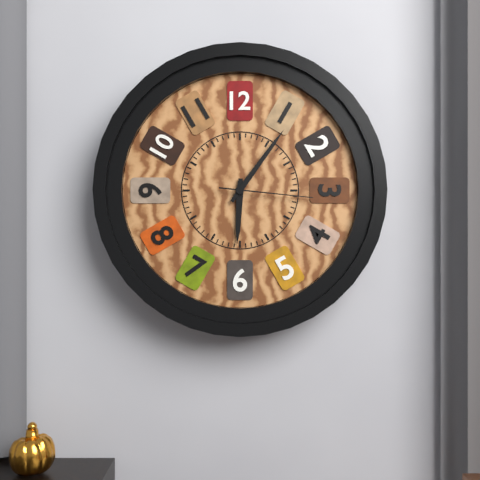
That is 6:06:16
